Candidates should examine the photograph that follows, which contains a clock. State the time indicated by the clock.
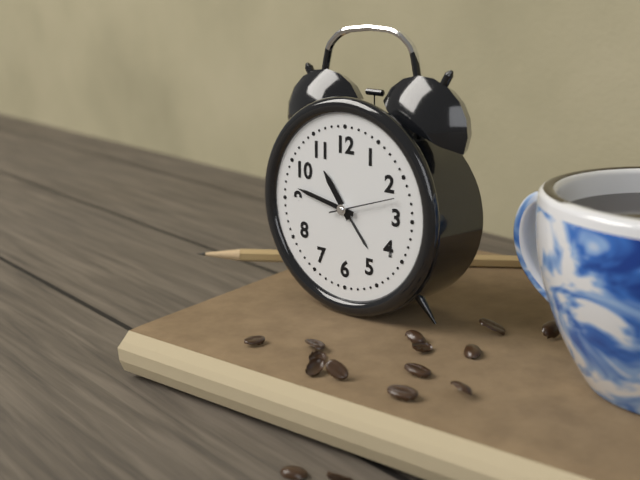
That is 10:47:12
